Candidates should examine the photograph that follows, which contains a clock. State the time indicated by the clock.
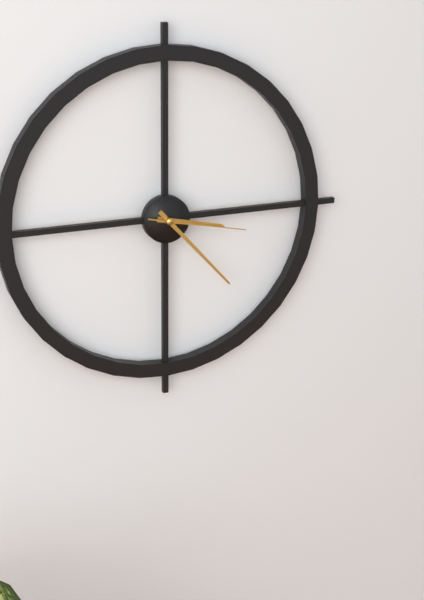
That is 3:23:17
